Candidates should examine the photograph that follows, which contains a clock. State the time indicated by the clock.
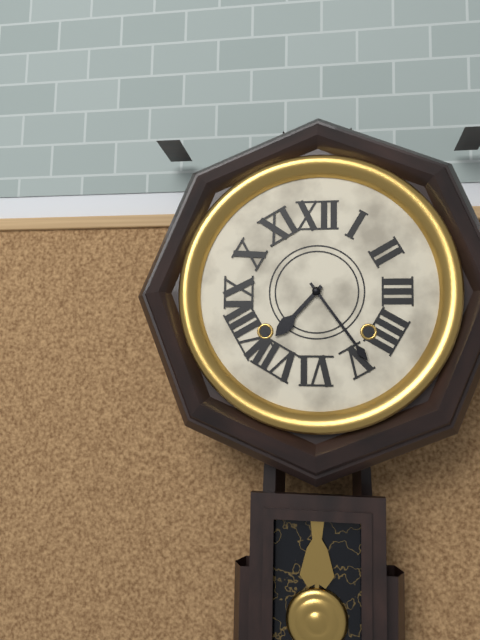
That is 7:24
